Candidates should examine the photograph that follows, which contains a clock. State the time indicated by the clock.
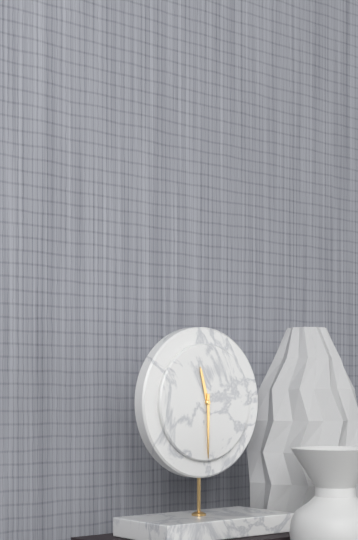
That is 11:30
